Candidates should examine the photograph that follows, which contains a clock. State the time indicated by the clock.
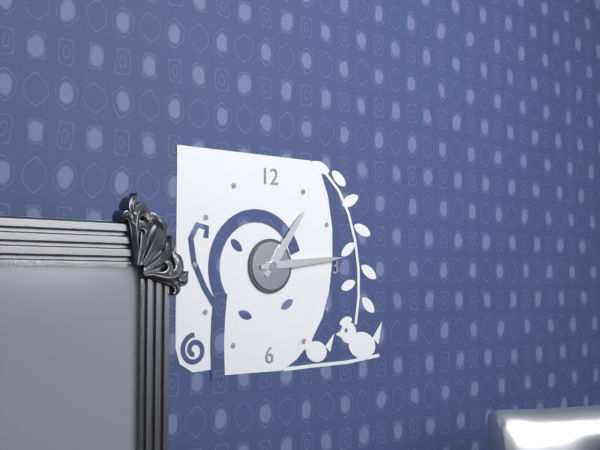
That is 1:14
